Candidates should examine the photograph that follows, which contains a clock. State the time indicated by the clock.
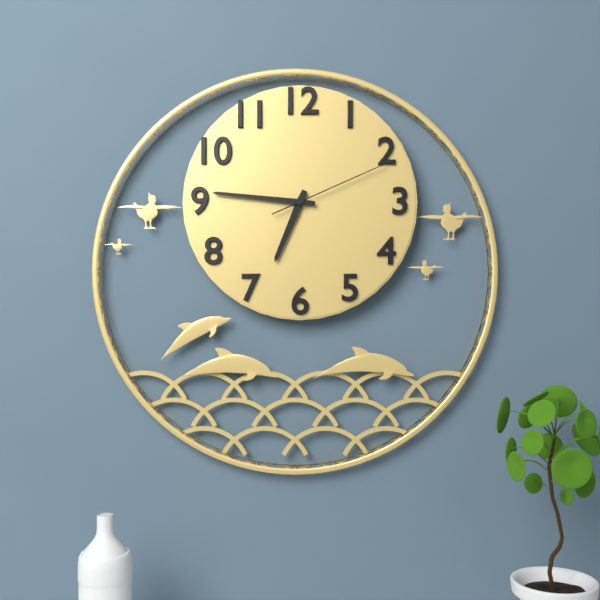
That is 6:46:11
